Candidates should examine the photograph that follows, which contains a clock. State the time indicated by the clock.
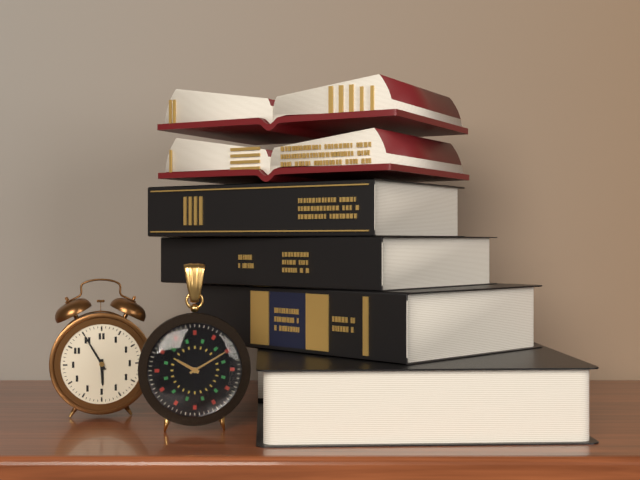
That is 5:55
